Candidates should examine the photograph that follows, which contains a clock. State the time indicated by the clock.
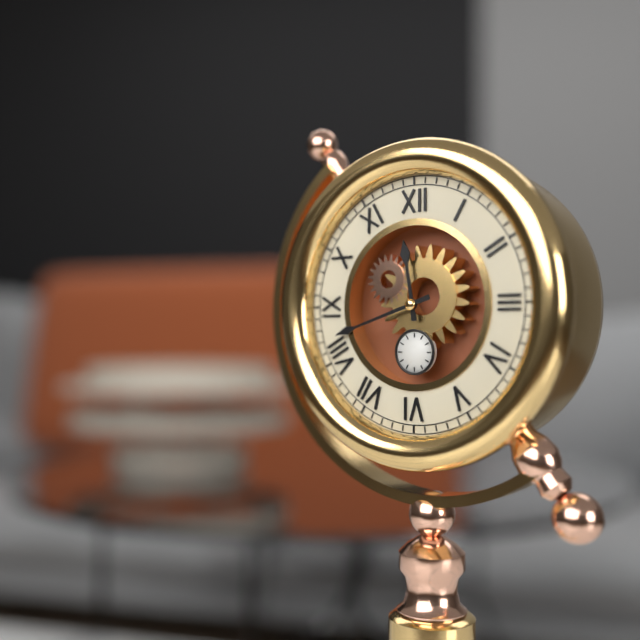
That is 11:42
